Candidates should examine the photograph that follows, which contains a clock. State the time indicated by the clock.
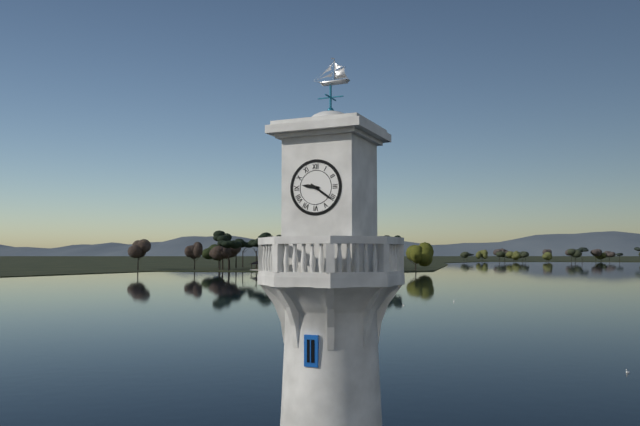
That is 9:21
